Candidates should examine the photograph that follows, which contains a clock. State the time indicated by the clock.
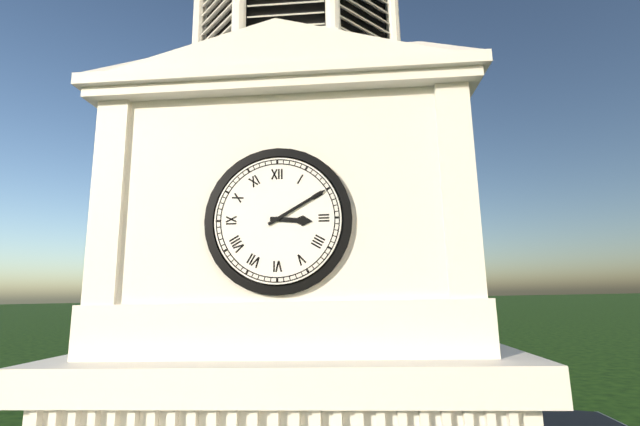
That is 3:10
